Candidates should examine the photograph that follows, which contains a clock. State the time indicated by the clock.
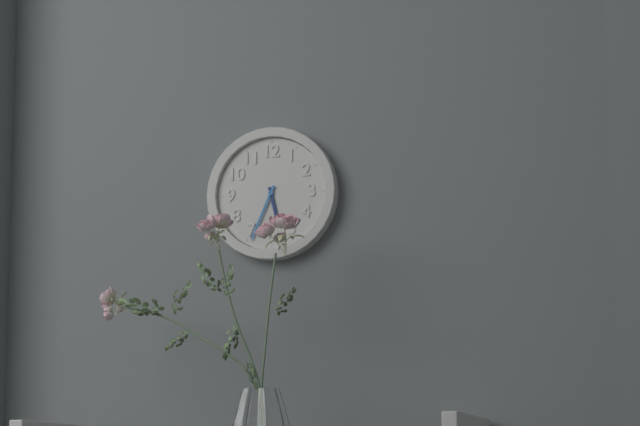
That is 5:34
